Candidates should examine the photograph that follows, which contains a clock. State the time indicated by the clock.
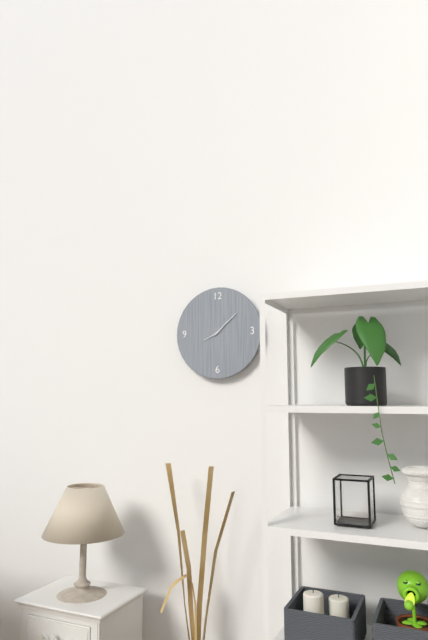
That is 8:08
